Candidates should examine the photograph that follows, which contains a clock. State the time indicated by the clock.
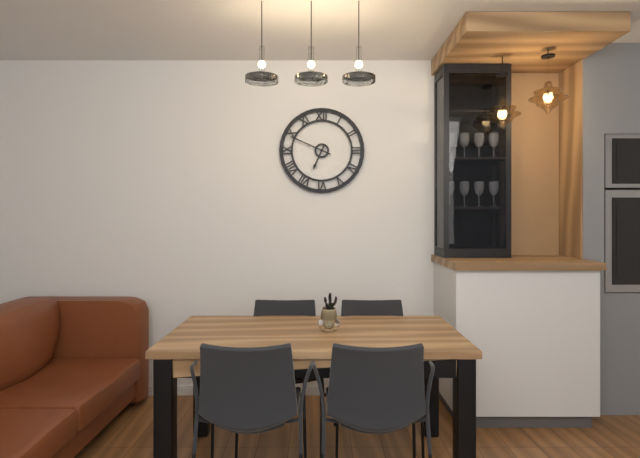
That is 6:49
